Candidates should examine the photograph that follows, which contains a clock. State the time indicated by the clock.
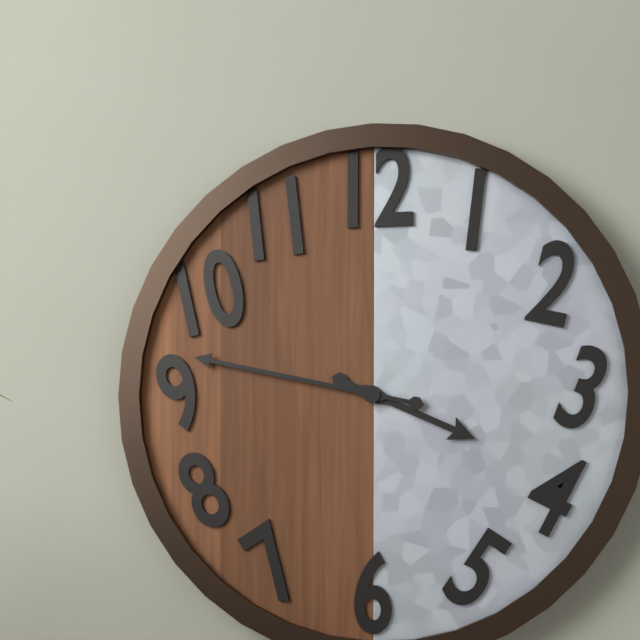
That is 3:47
